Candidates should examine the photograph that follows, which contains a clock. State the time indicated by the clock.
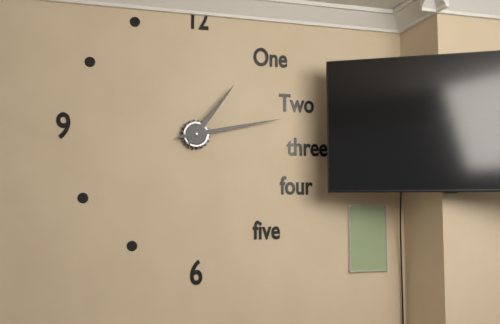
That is 1:13
